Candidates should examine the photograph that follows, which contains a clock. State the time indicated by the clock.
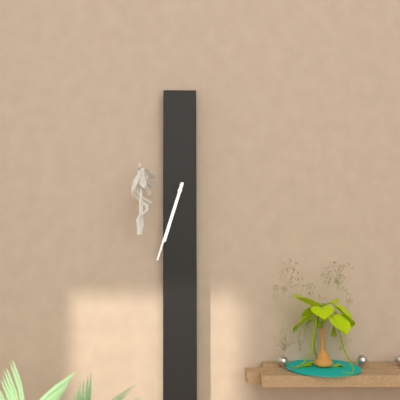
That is 6:33
